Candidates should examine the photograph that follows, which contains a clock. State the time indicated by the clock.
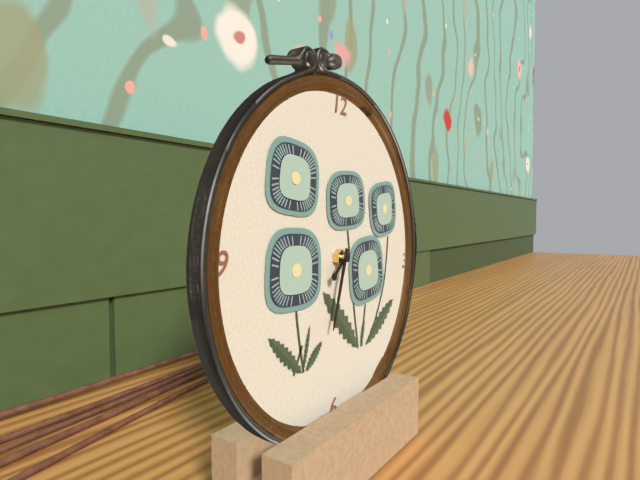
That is 7:33
